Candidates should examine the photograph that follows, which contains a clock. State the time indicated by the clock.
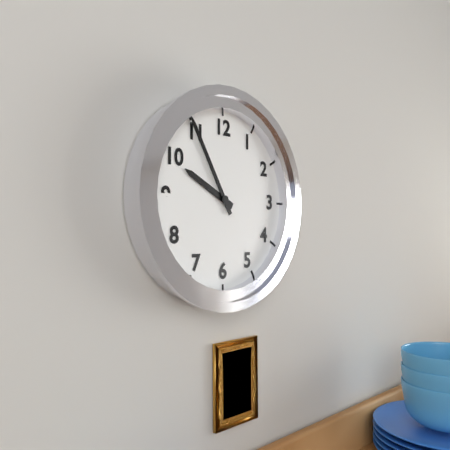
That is 9:55
